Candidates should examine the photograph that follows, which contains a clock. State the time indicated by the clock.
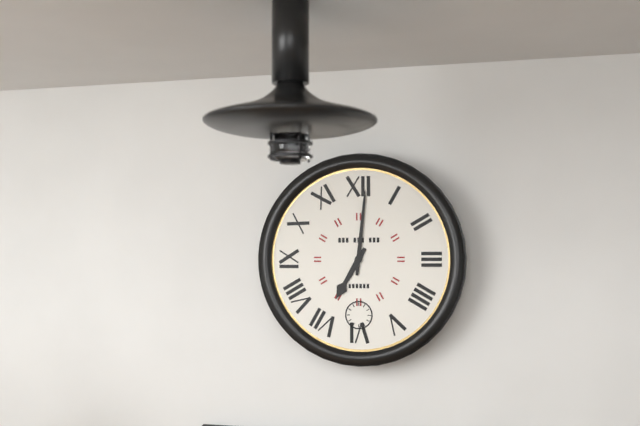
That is 7:01
